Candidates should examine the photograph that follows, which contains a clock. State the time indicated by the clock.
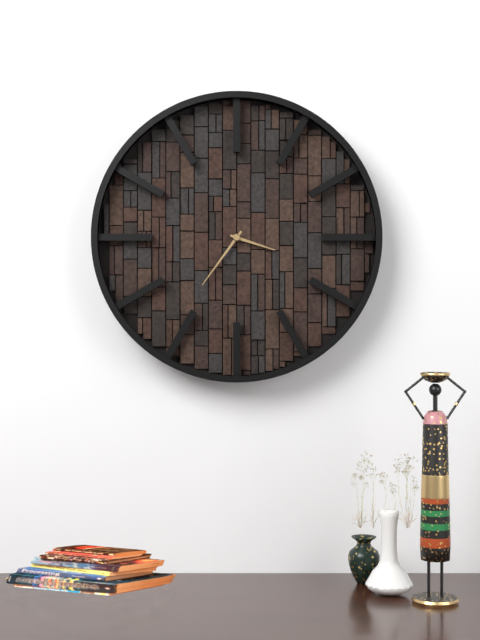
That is 3:36
